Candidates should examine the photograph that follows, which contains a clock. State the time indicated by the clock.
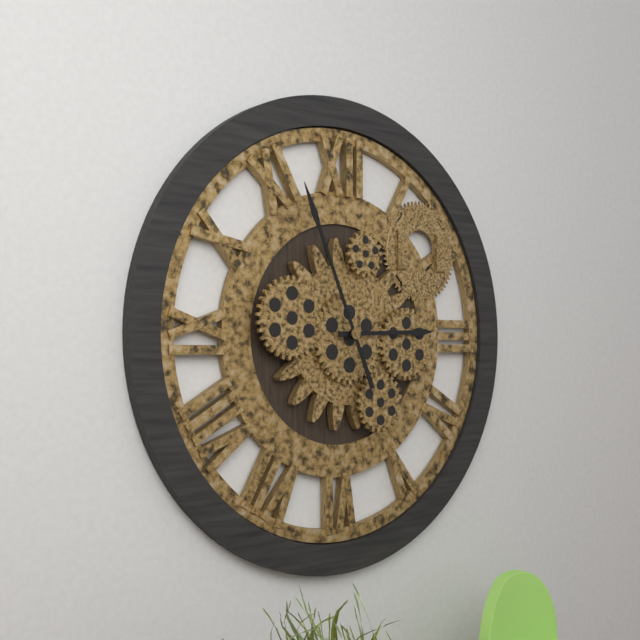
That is 2:56
